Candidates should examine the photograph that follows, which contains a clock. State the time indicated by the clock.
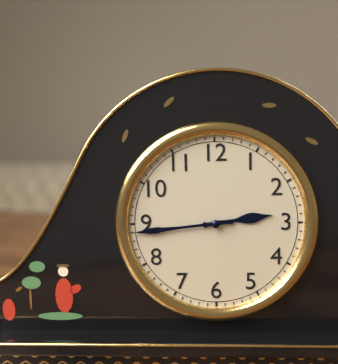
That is 2:44
